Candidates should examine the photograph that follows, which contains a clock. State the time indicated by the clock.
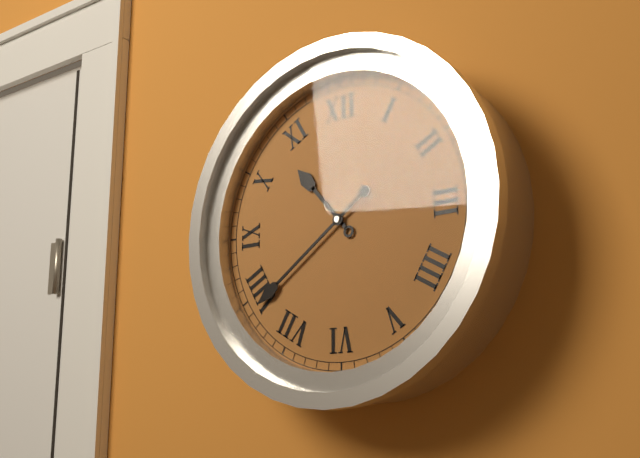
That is 10:39
